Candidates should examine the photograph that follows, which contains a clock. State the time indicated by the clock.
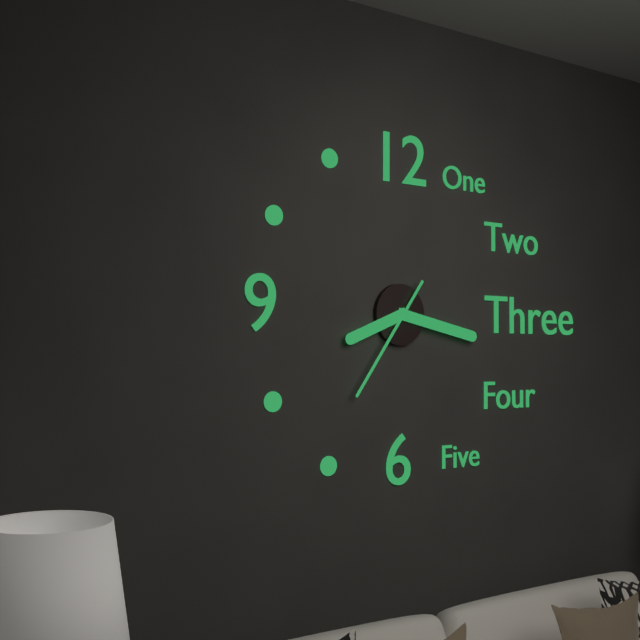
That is 8:17:36
